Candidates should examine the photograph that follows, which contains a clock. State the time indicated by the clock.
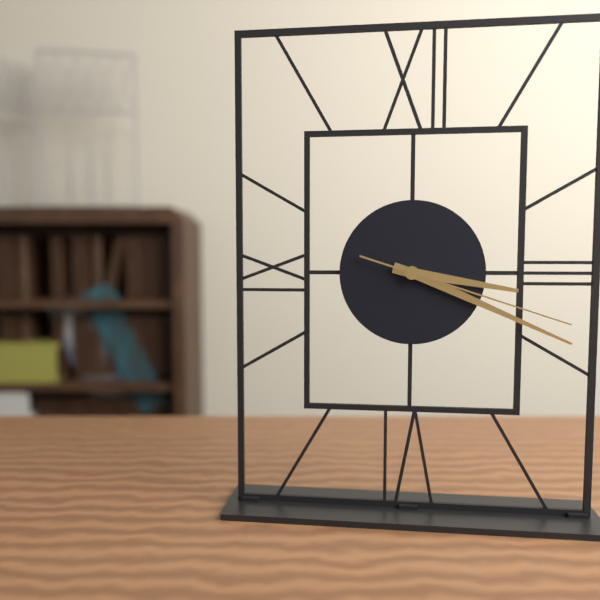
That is 3:19:18
